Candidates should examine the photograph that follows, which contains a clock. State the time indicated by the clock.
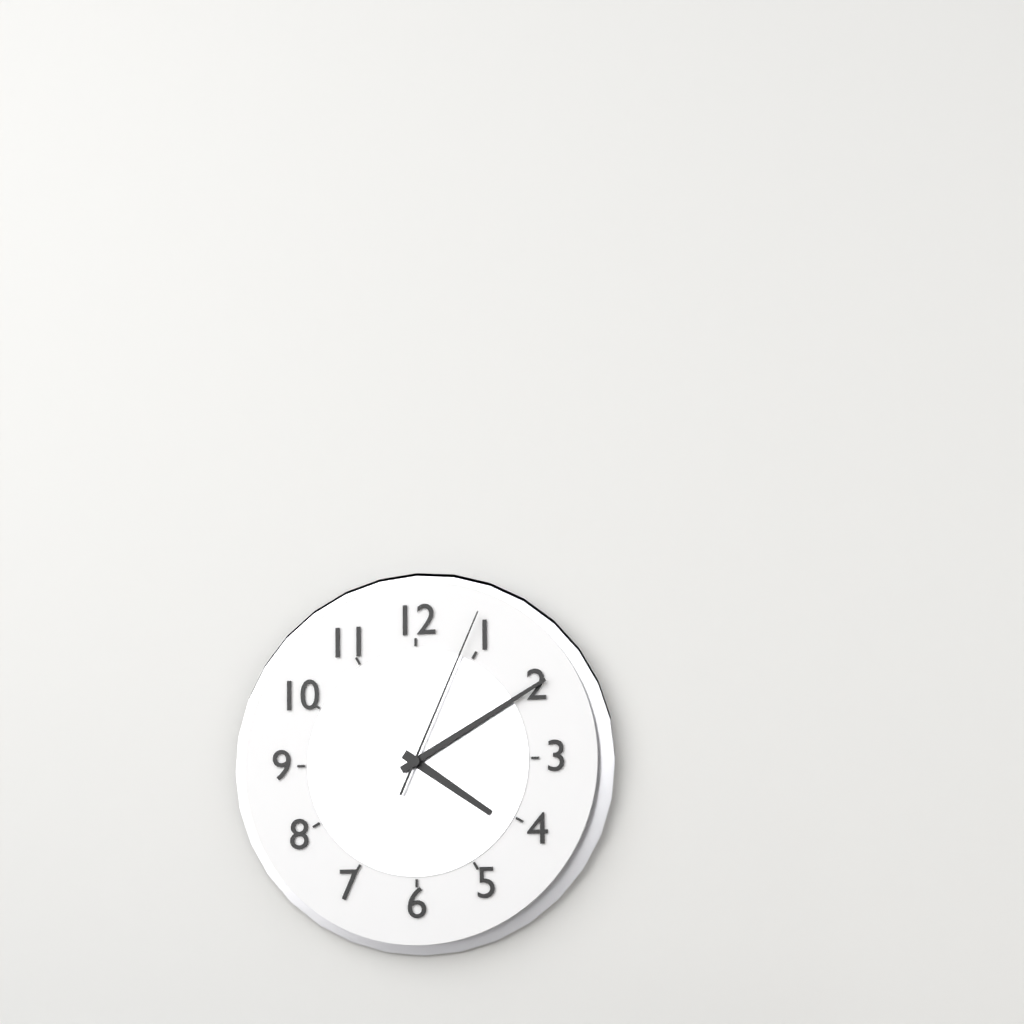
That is 4:10:04
